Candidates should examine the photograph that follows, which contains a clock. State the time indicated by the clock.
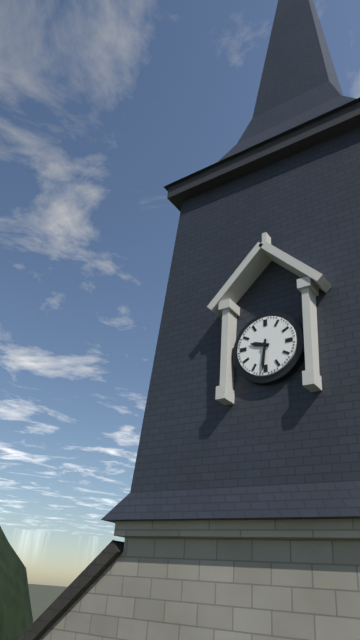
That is 9:31
